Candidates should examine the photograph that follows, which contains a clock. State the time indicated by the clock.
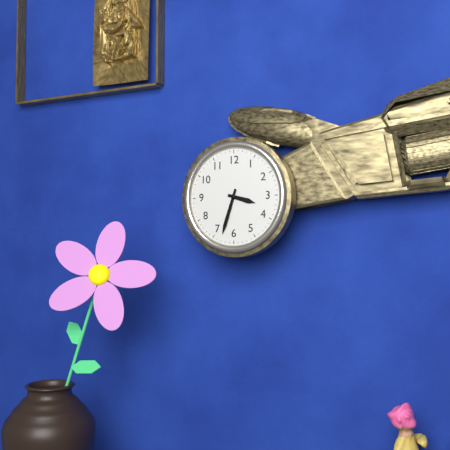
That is 3:33
